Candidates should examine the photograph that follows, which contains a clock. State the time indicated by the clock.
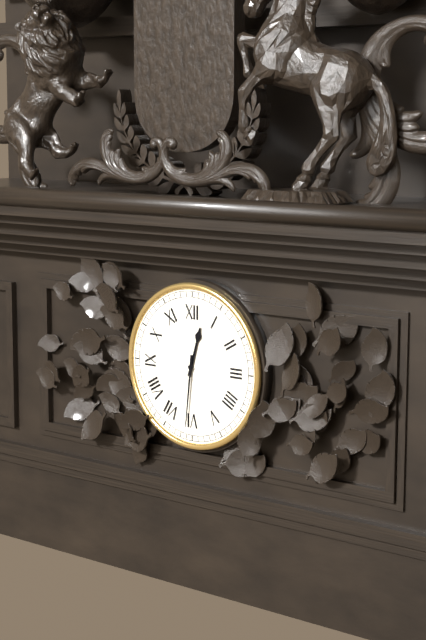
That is 12:31
